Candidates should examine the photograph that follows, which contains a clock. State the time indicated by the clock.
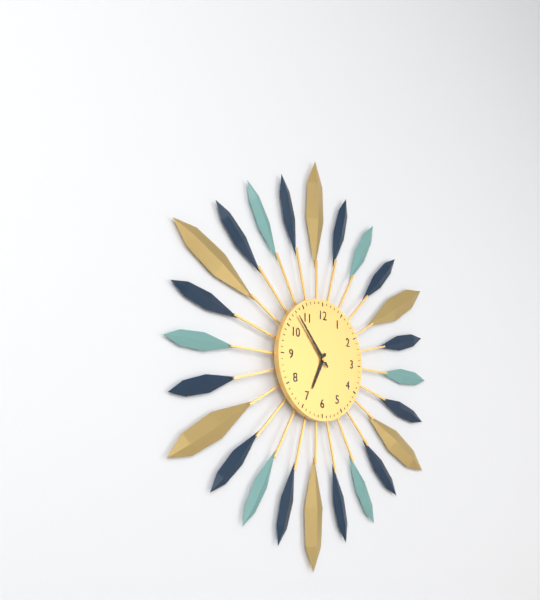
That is 6:53
